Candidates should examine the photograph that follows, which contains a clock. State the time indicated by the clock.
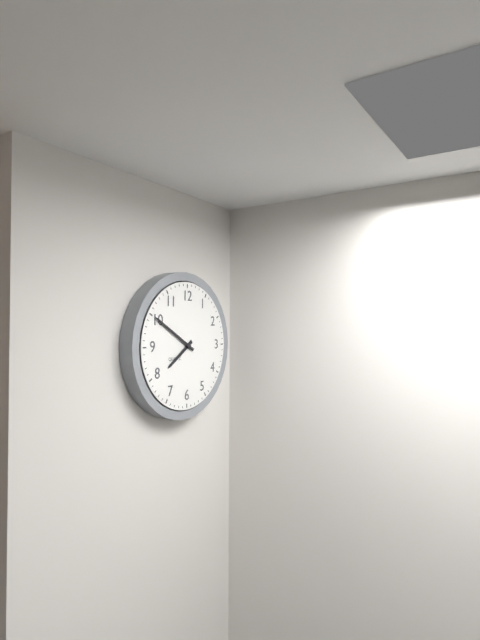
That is 7:50
